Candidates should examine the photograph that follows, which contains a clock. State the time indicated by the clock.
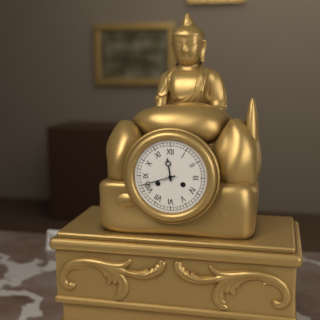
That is 11:42
